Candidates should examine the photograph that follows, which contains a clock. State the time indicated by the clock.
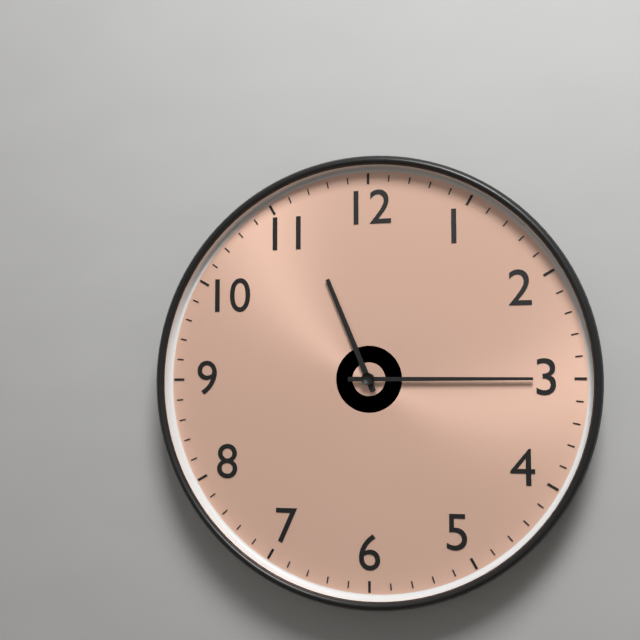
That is 11:15
